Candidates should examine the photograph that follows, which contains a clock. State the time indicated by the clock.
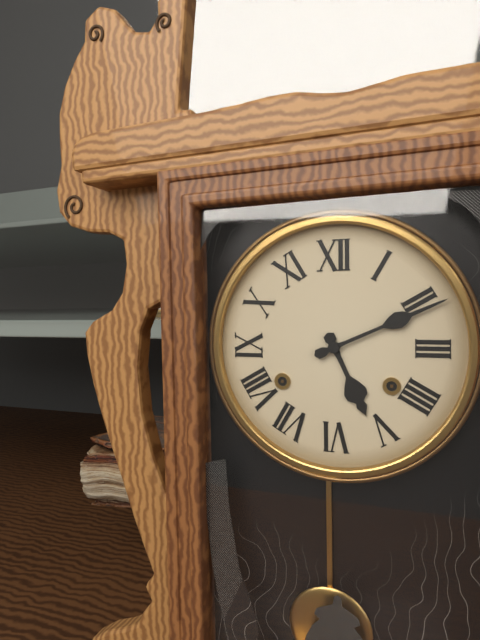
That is 5:11
